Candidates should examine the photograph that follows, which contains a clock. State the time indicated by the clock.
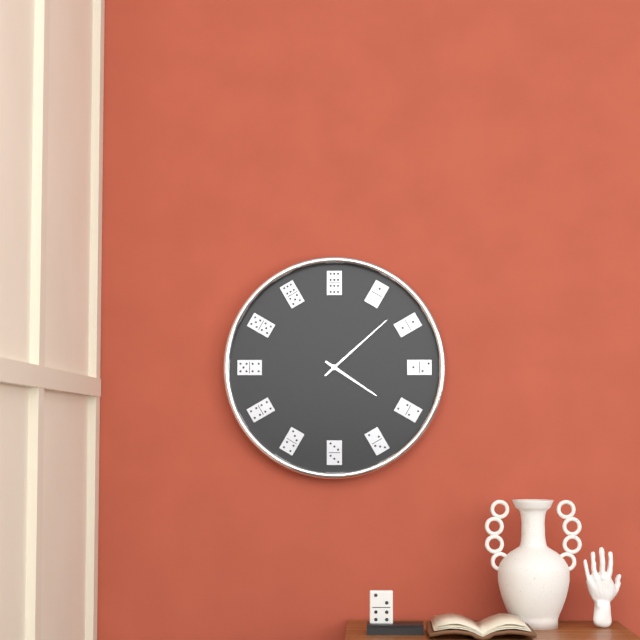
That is 4:08
